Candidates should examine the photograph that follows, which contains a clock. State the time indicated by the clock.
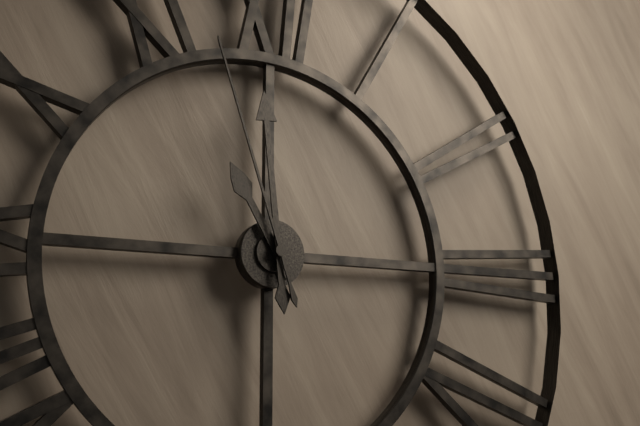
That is 10:59:57
